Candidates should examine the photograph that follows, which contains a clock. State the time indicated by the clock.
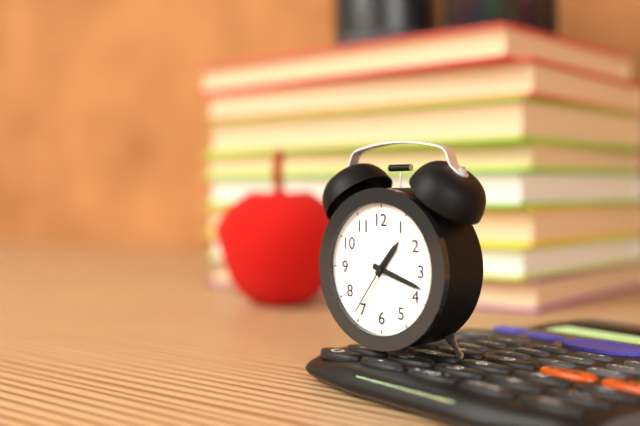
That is 1:18:36
